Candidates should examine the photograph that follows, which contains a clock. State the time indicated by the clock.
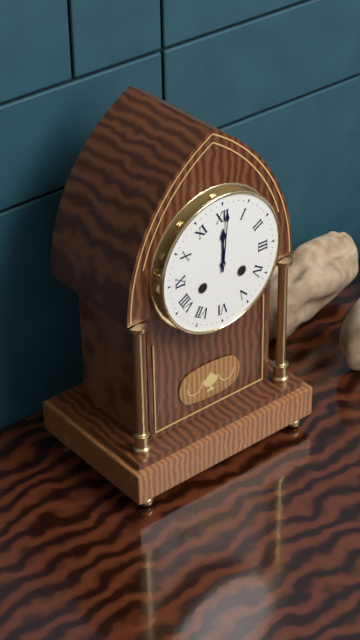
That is 12:01
